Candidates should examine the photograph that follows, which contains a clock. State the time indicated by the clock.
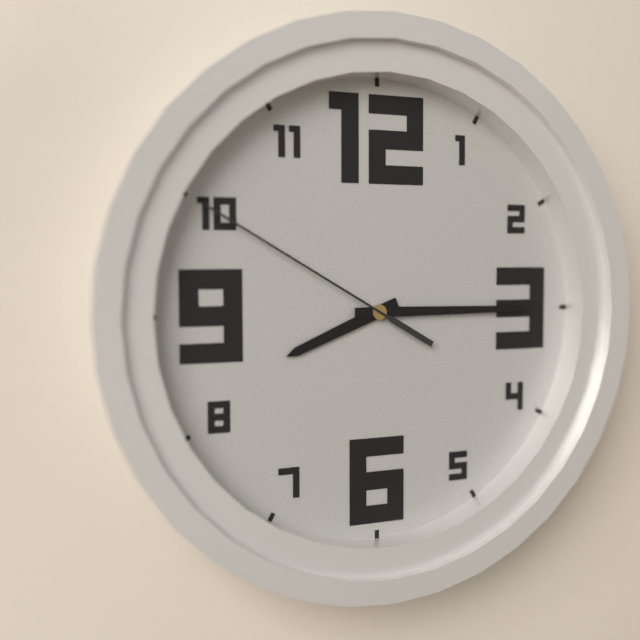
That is 8:15:50
